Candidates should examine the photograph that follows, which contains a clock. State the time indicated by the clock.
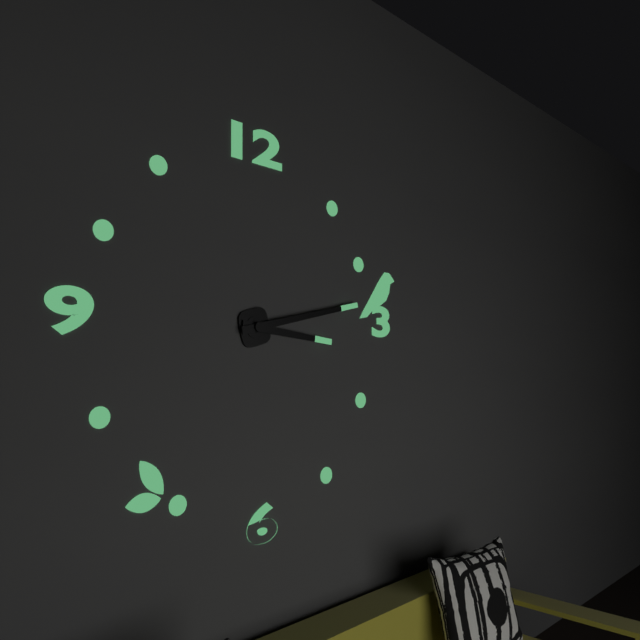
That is 3:13
